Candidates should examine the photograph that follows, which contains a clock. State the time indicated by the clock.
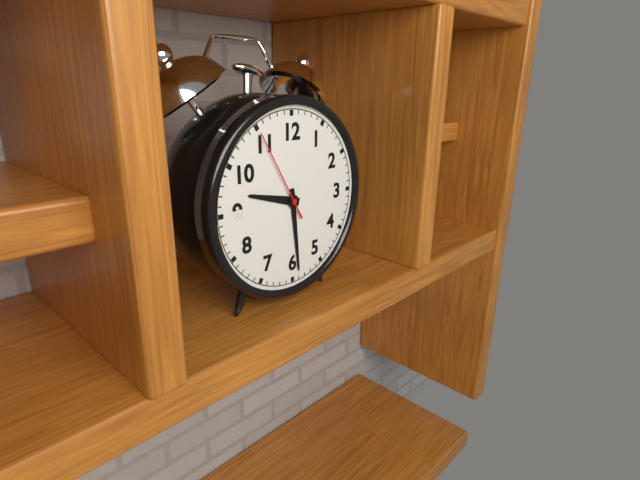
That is 9:29:55
